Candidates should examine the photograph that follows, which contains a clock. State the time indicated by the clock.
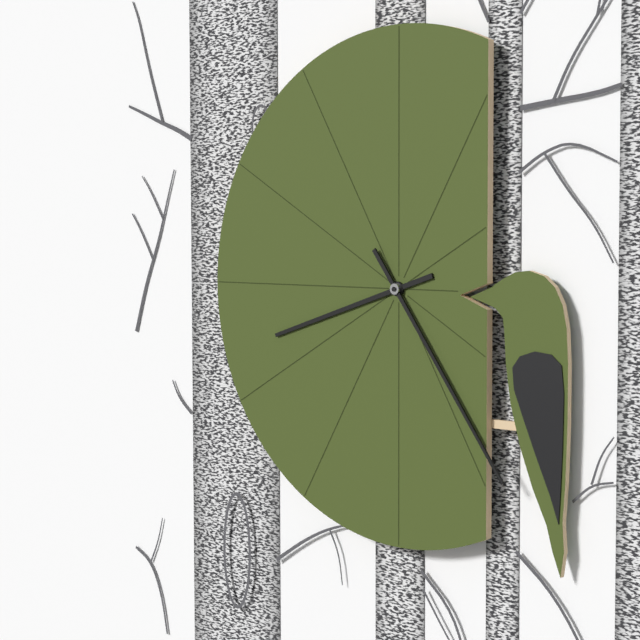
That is 8:24
